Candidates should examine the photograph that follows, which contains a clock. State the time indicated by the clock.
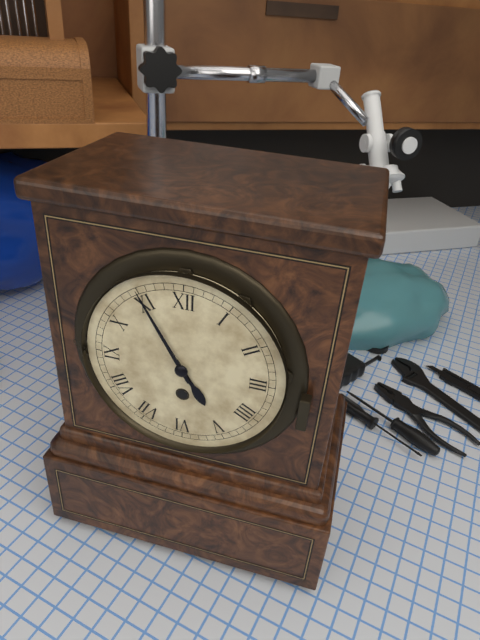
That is 4:55
